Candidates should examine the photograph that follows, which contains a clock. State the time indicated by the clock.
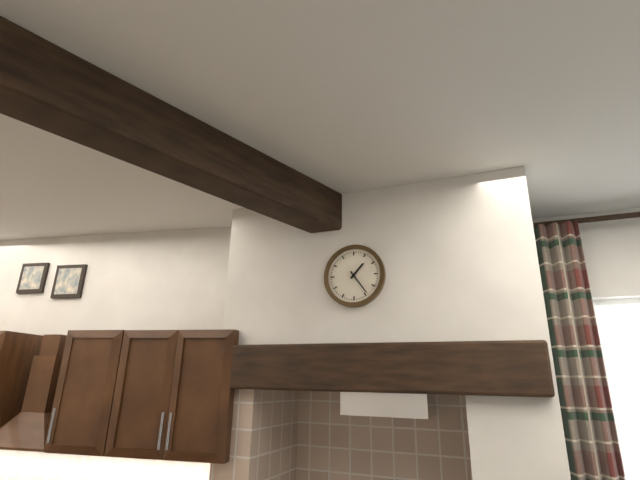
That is 1:24
